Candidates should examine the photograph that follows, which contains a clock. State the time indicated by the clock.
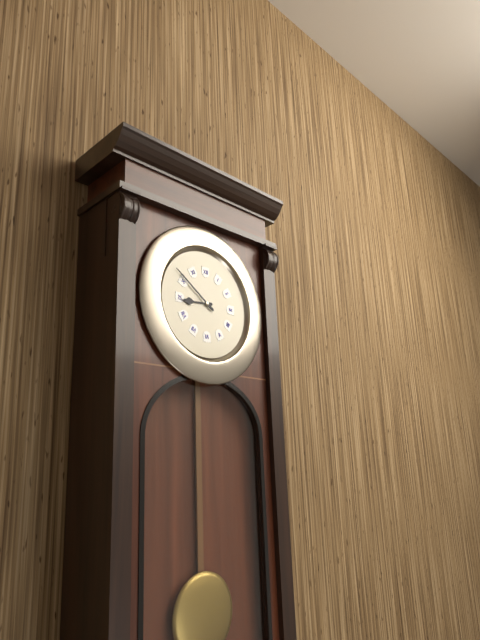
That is 8:51
